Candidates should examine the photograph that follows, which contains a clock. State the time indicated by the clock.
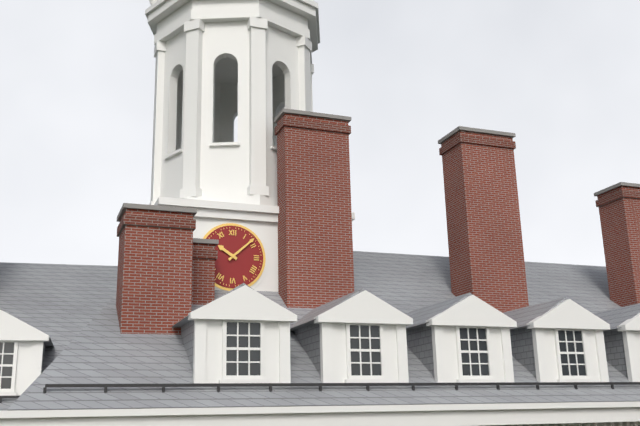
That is 10:08
